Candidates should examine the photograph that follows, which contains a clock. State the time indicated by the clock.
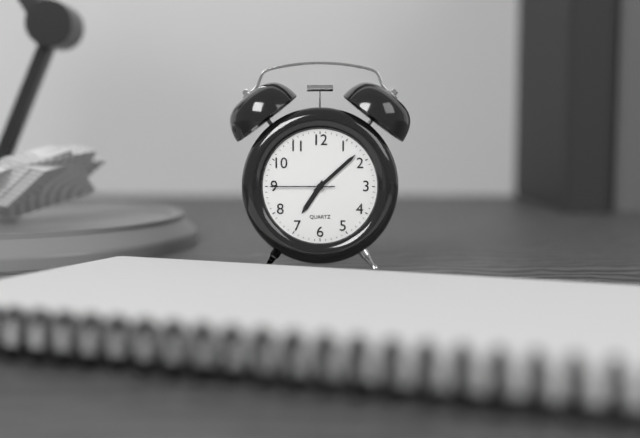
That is 7:08:45
